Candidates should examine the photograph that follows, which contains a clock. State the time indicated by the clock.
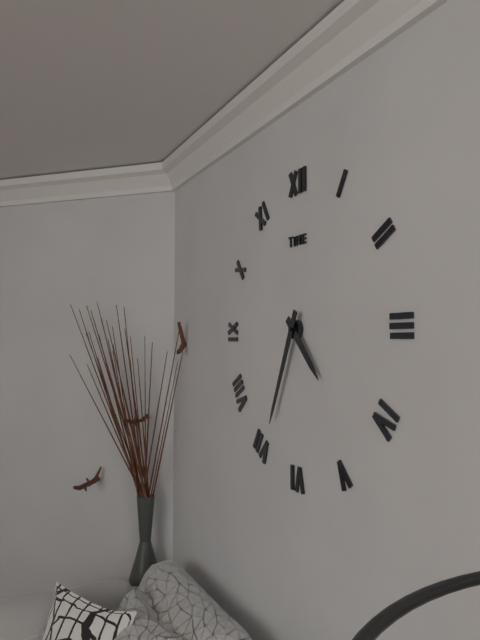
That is 4:34
